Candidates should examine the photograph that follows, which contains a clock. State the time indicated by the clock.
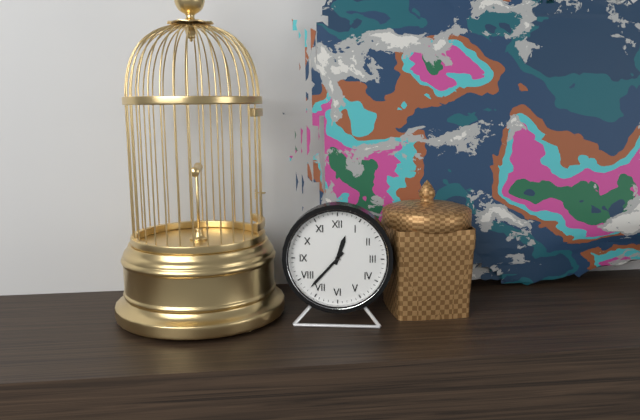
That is 12:37
